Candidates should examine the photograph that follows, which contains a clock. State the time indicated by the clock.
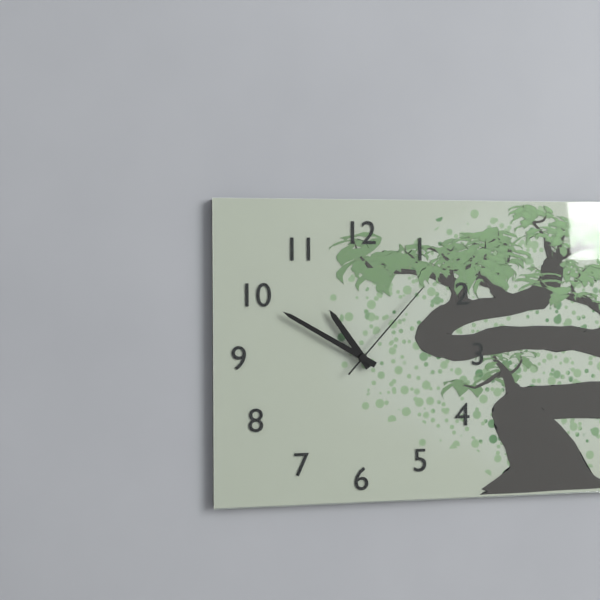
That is 10:50:07
